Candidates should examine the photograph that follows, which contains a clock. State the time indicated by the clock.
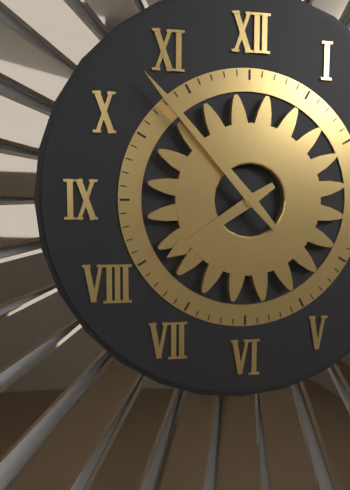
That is 7:53
